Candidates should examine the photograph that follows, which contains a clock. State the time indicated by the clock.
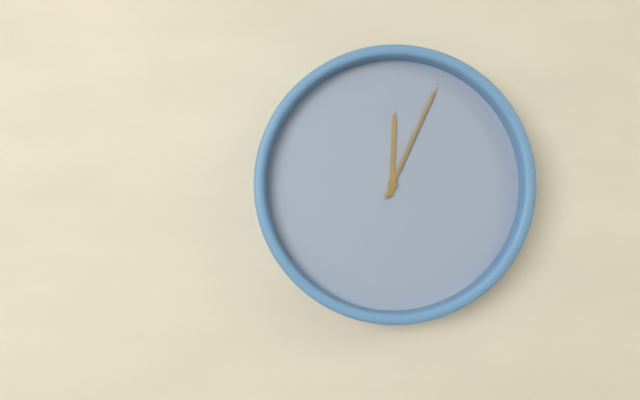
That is 12:04
